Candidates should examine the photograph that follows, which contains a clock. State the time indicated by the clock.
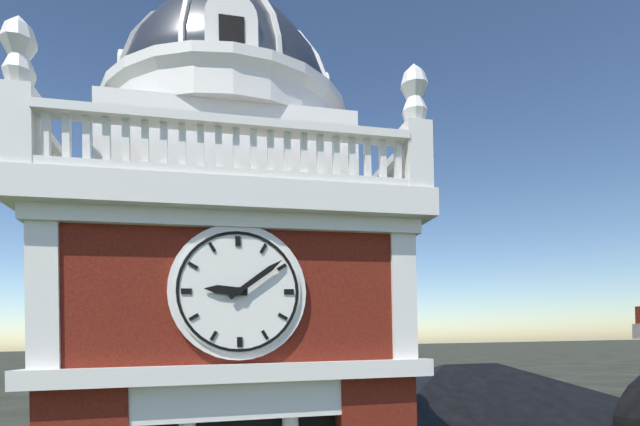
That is 9:09
